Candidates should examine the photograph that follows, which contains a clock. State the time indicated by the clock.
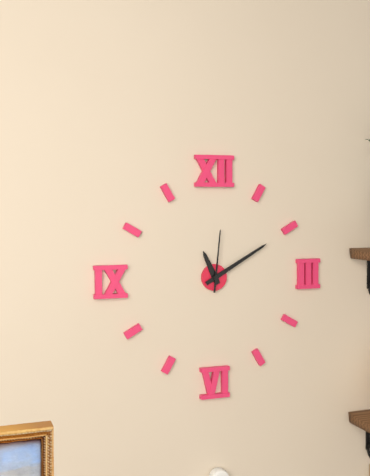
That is 11:10:01
